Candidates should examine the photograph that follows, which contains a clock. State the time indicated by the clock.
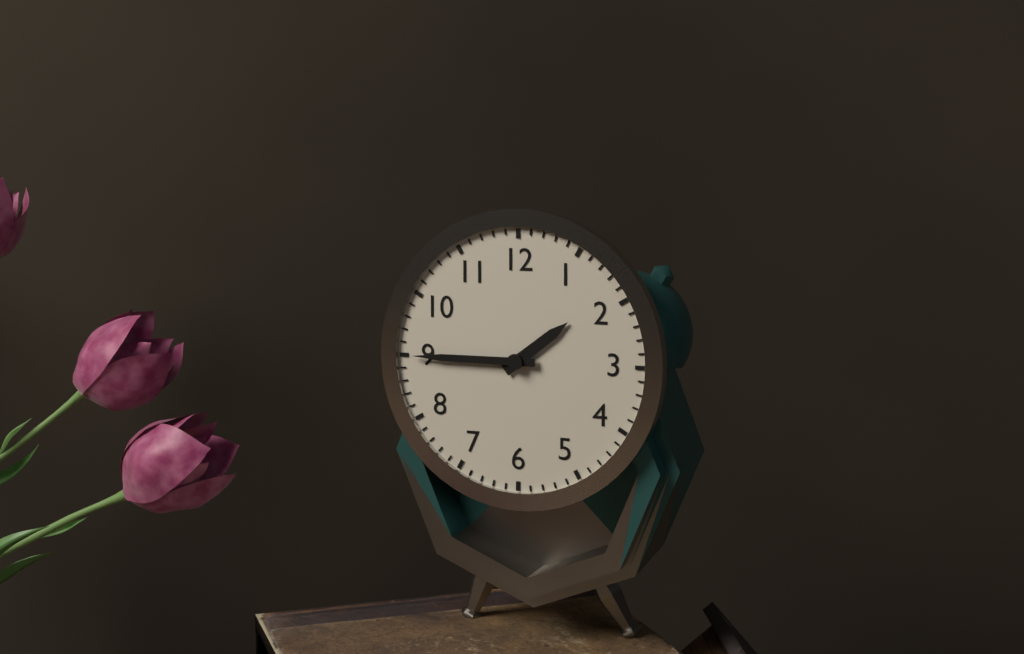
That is 1:45
